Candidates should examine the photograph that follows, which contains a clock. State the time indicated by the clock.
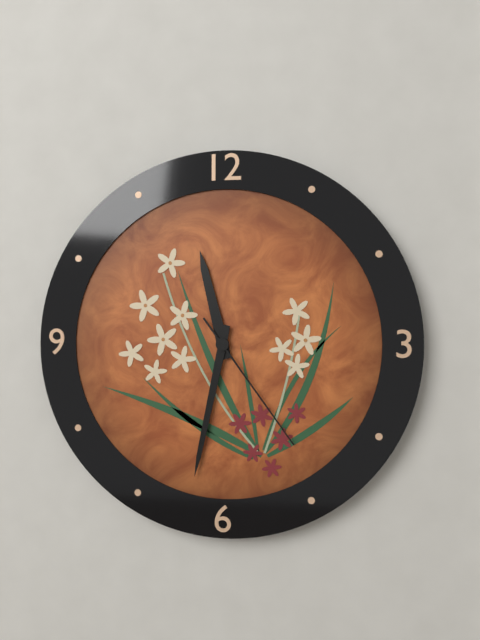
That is 11:32:24
